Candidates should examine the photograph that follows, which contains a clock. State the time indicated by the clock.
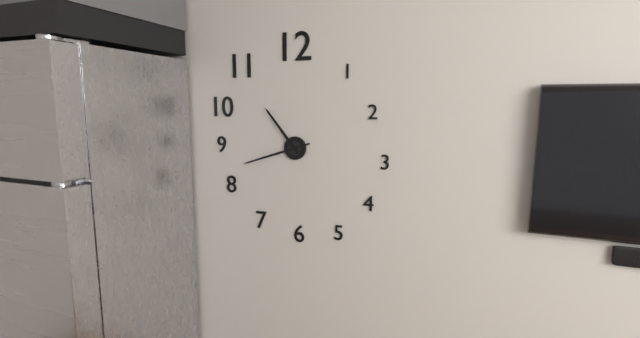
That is 10:42
